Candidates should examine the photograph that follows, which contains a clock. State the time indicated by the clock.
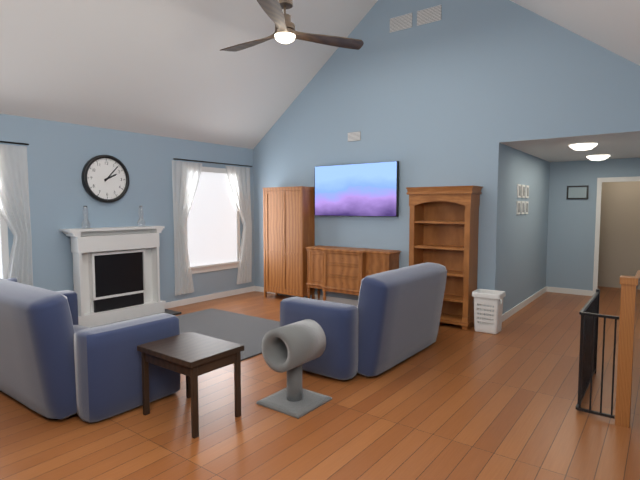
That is 2:07
